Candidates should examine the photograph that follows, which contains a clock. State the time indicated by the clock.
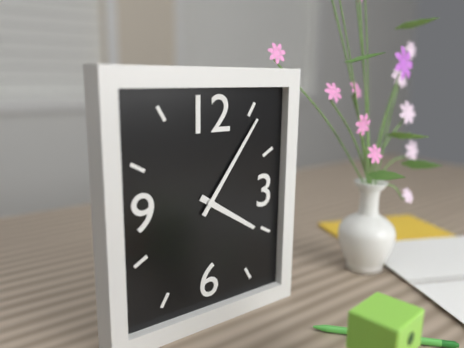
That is 4:06
